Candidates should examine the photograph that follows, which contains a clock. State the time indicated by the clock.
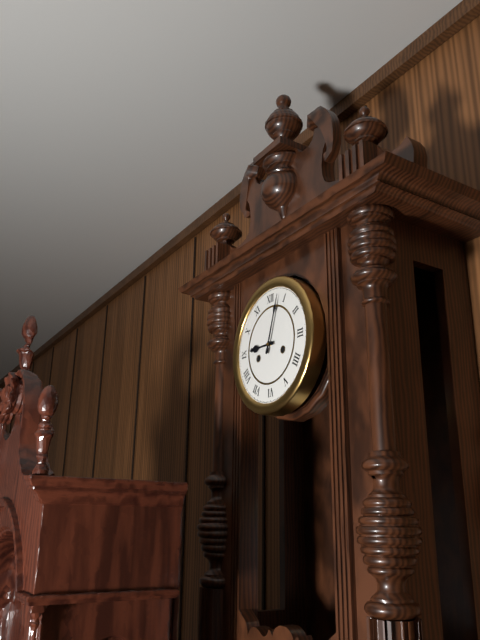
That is 9:03
